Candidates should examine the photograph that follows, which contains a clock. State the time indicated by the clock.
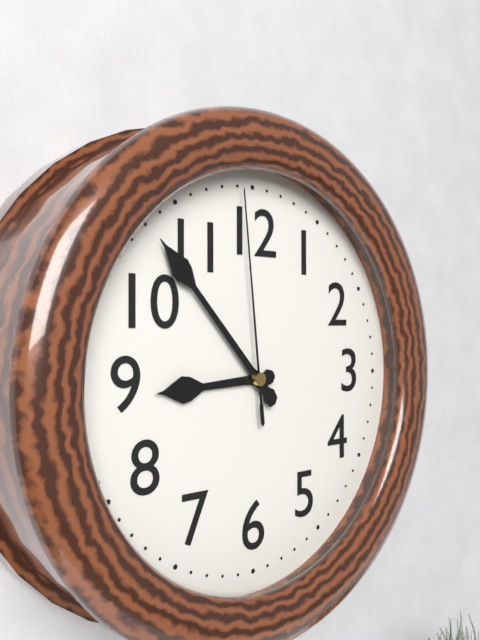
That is 8:53:59
